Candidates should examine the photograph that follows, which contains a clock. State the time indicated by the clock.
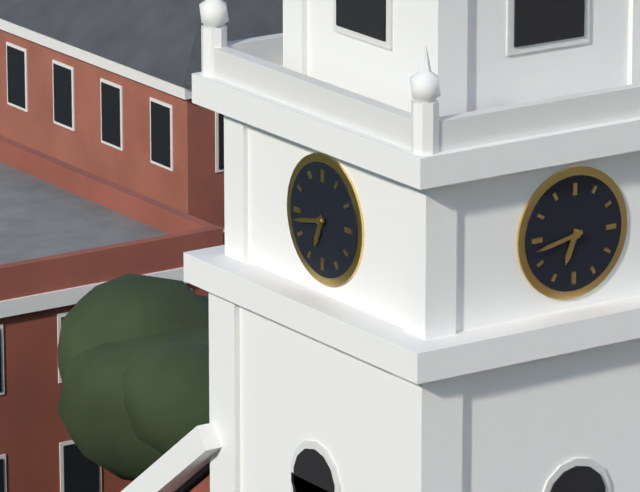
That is 6:43
